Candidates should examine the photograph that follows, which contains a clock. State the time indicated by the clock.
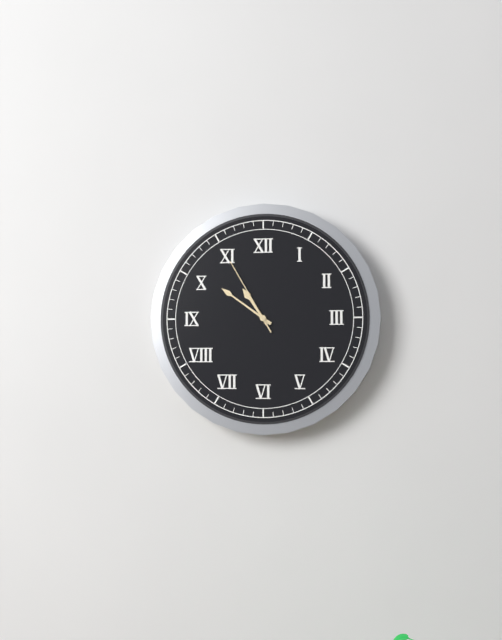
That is 10:51:55
